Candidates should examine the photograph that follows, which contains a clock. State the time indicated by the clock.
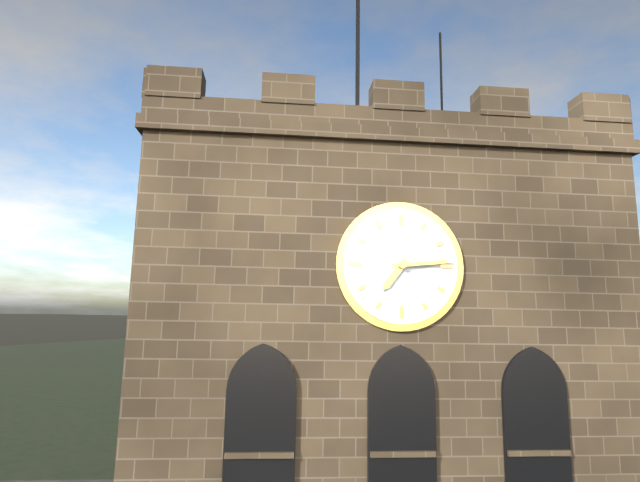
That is 7:14
